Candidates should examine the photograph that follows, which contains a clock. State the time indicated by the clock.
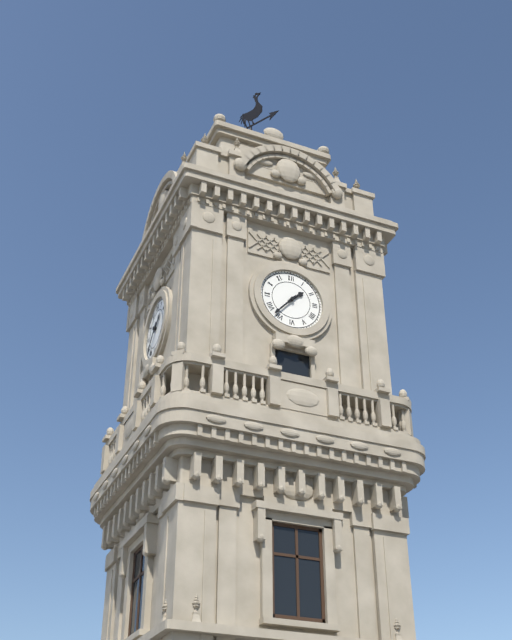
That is 1:37
